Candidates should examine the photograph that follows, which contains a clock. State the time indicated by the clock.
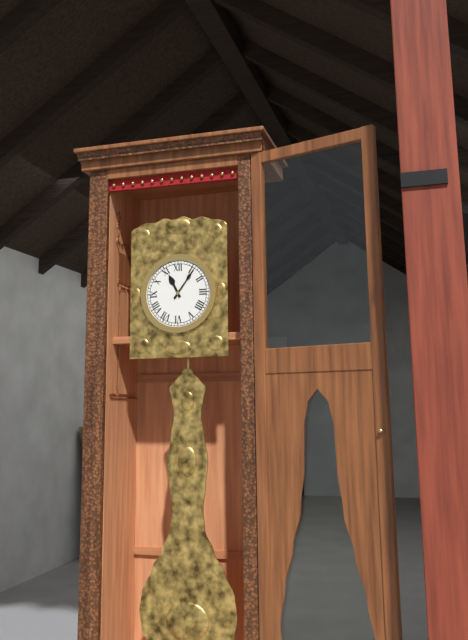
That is 11:06
